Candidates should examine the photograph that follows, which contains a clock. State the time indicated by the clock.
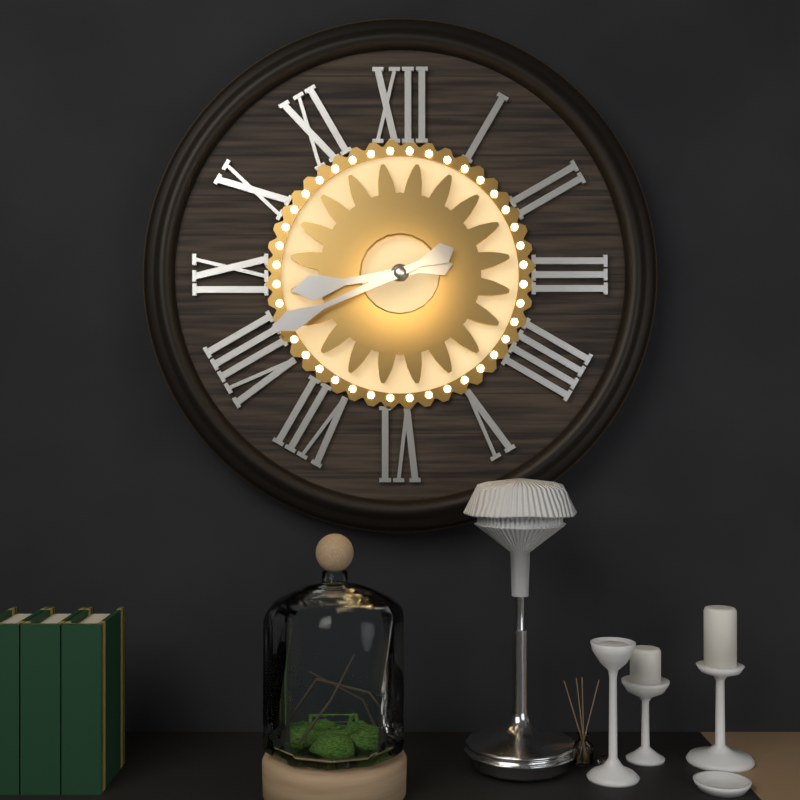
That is 8:41
